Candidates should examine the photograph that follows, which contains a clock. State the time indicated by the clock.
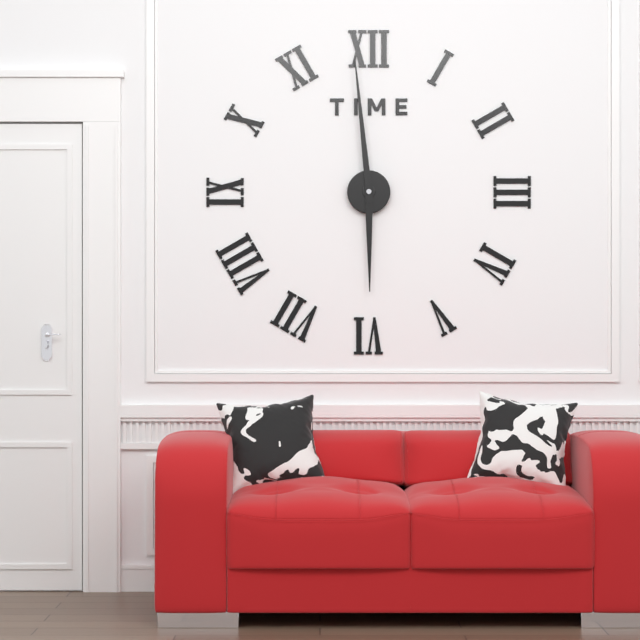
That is 5:59
